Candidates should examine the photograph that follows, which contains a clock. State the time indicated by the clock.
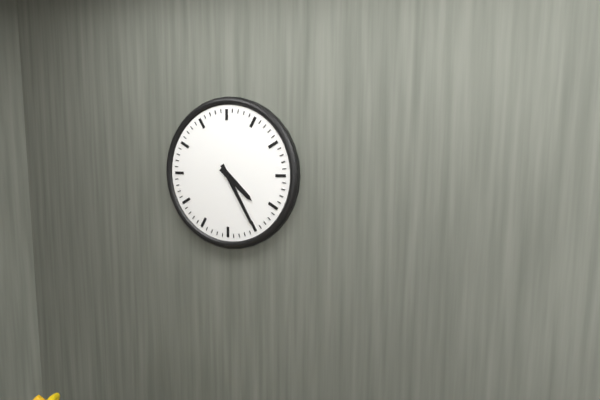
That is 4:25
